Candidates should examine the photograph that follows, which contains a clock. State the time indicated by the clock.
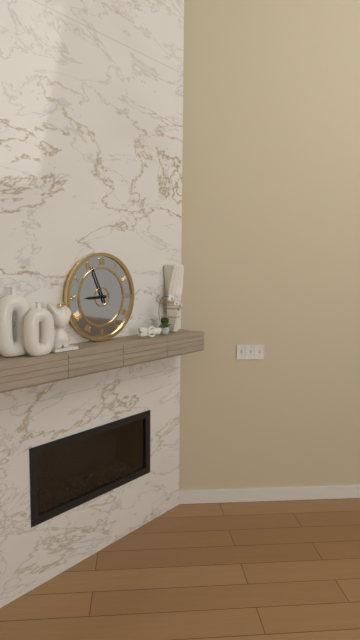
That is 8:56
